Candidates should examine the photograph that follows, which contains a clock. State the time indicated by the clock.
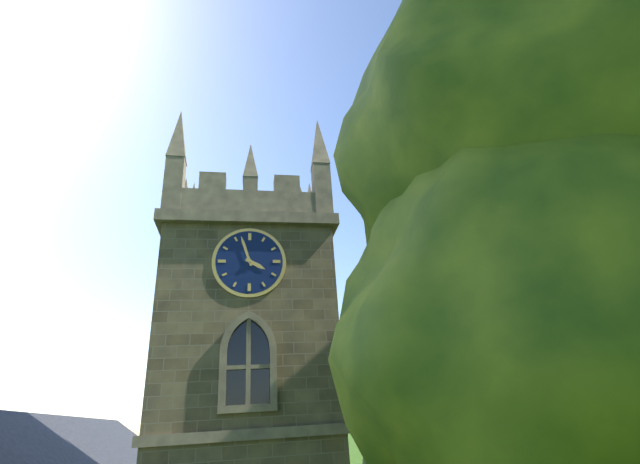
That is 3:57
